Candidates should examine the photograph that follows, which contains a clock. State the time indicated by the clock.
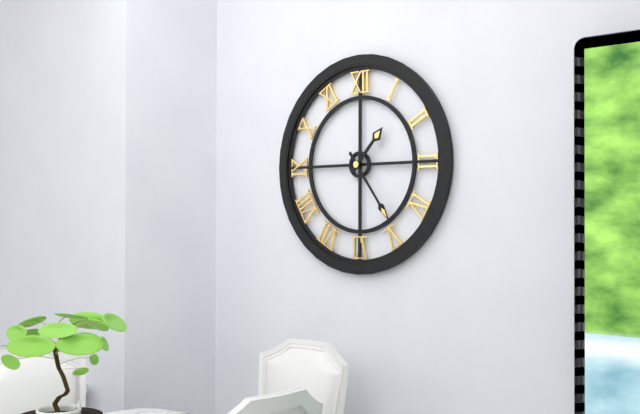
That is 1:24
